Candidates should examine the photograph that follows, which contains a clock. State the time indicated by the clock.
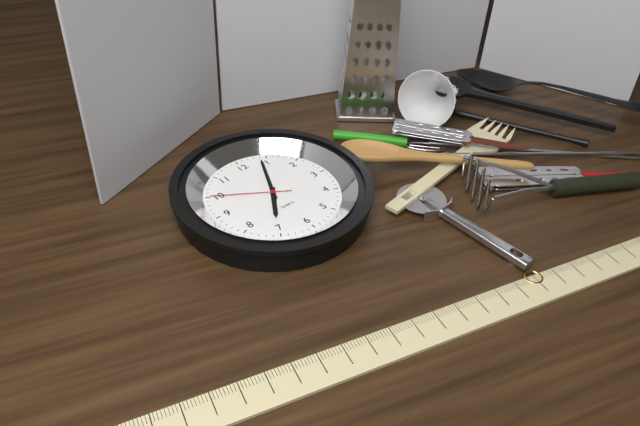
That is 7:04:50
